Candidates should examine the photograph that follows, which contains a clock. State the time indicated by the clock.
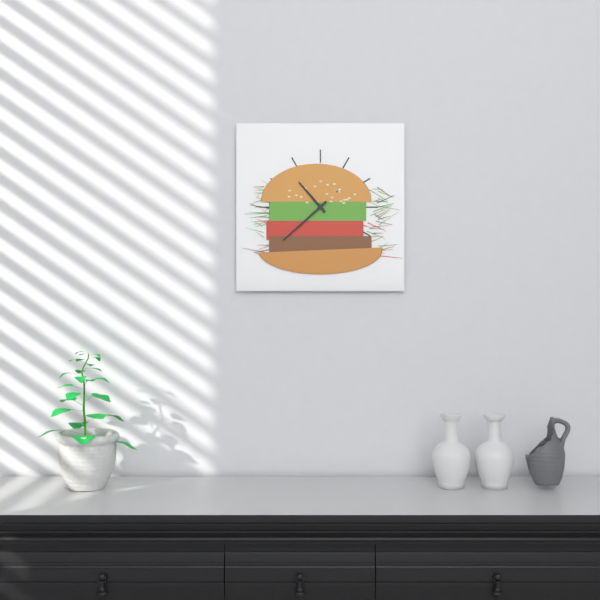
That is 10:38
